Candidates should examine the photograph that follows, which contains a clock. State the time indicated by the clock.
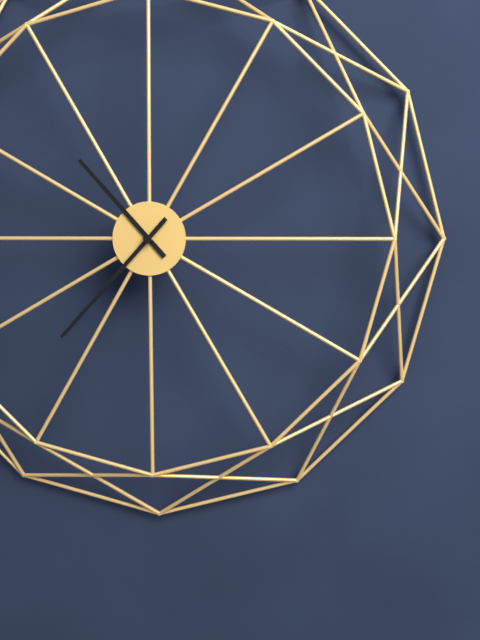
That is 10:37
